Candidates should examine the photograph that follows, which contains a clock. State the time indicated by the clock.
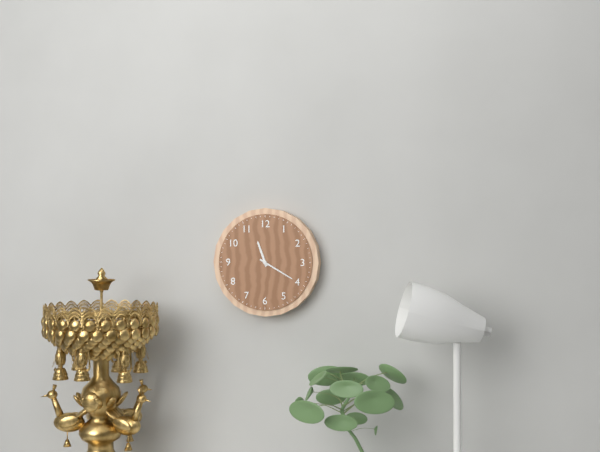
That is 11:20
